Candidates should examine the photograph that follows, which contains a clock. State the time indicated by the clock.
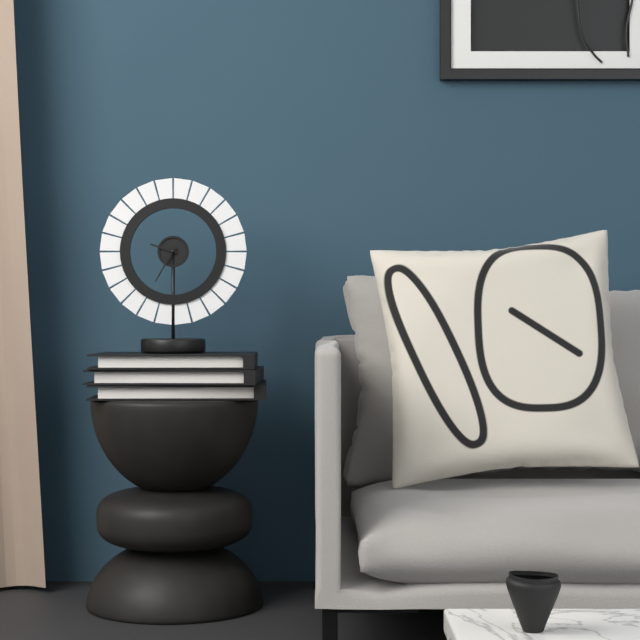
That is 9:35
